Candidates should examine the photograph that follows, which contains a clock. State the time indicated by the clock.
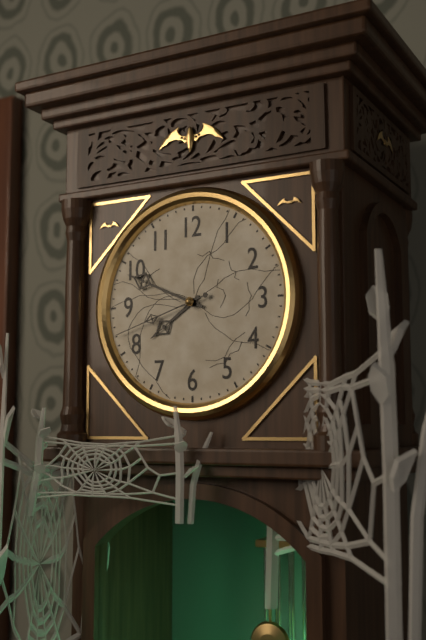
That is 7:49:42
